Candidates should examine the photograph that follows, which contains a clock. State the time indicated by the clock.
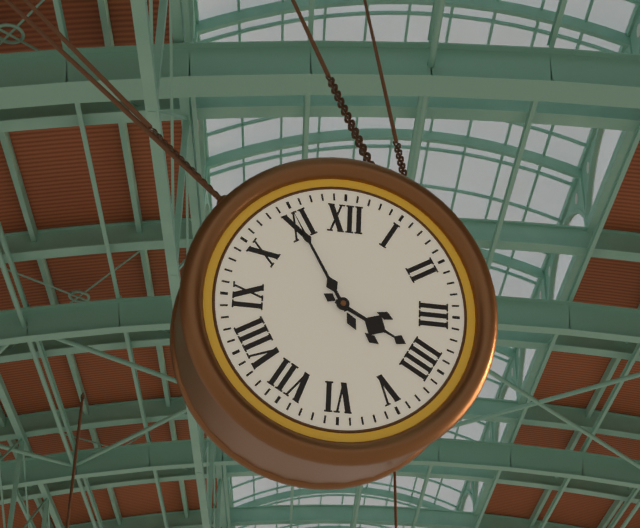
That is 3:55
